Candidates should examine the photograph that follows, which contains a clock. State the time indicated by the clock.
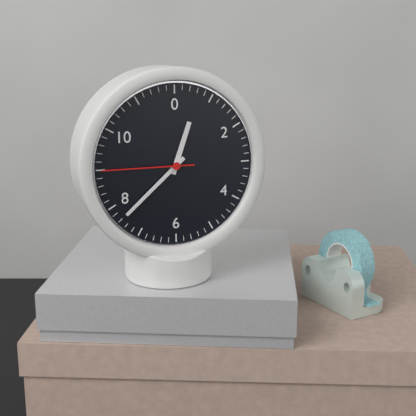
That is 12:38:45
